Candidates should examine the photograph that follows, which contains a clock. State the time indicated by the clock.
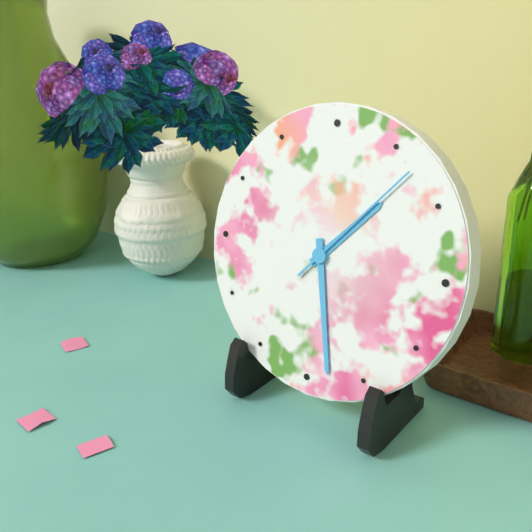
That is 1:28:07
